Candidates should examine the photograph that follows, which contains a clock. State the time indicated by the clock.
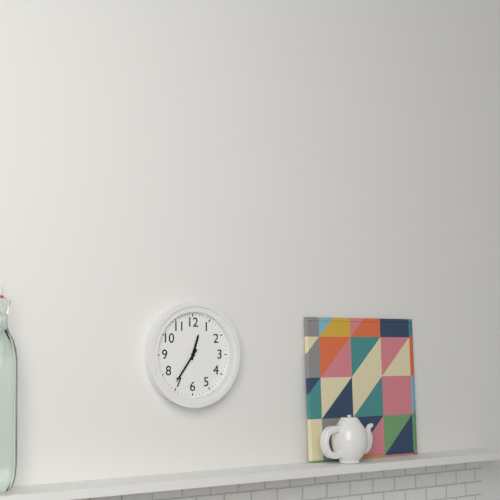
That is 12:36
